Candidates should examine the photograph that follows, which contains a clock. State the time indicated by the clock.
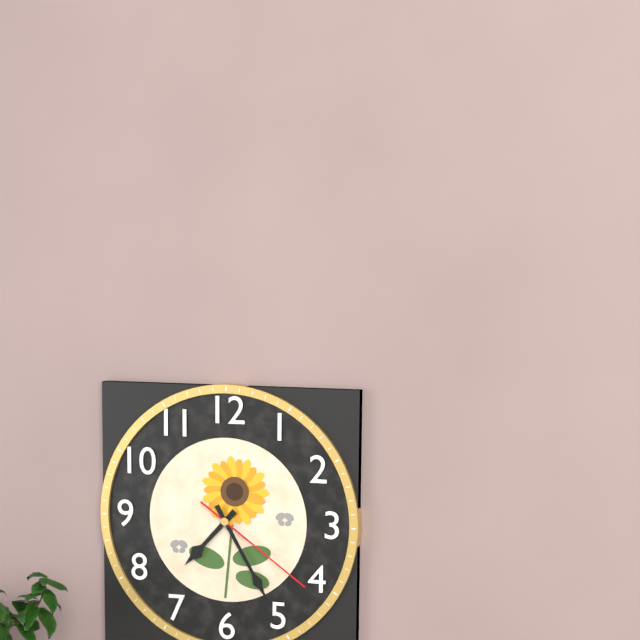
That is 7:25:21
